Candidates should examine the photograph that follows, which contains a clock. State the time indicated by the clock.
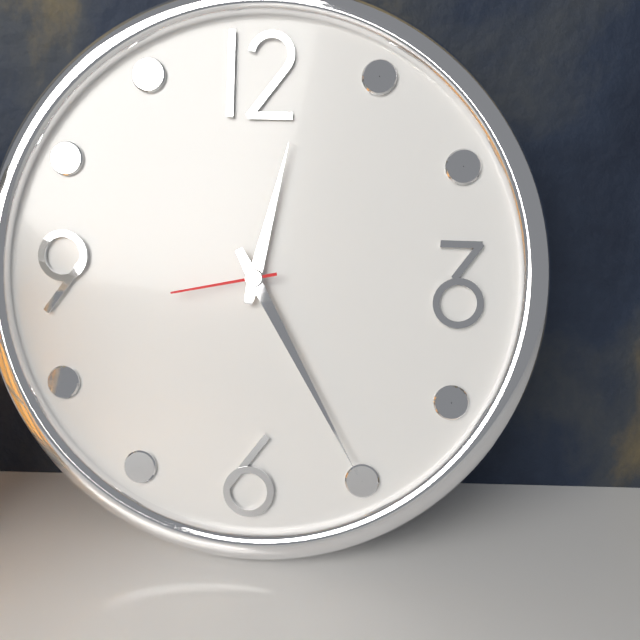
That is 12:25:43
